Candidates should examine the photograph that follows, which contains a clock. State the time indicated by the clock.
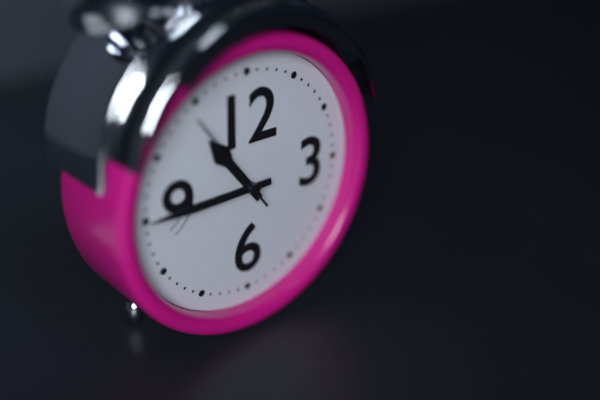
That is 10:45:54
